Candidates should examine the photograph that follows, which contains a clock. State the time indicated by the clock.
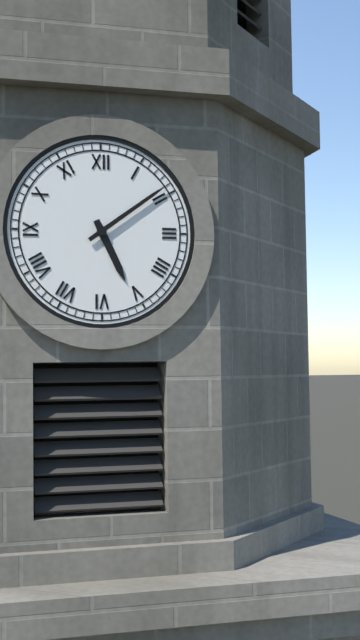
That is 5:09
